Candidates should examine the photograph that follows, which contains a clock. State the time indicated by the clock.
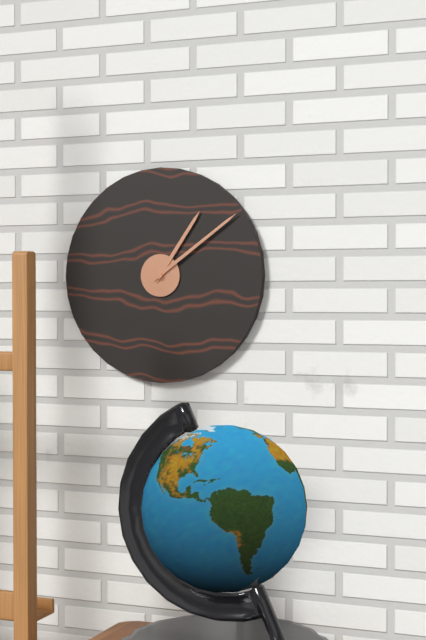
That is 1:09
